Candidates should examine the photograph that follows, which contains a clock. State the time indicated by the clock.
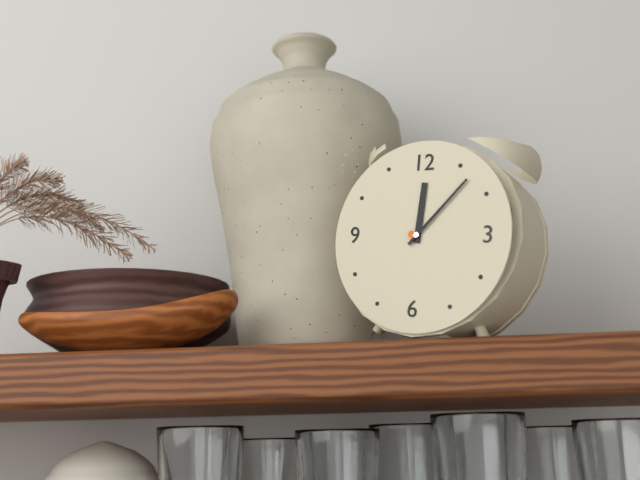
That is 12:07
